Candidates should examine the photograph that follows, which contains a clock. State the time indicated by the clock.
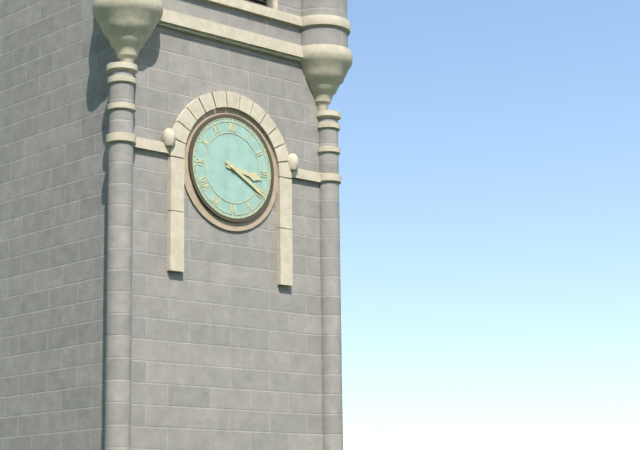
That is 3:20
